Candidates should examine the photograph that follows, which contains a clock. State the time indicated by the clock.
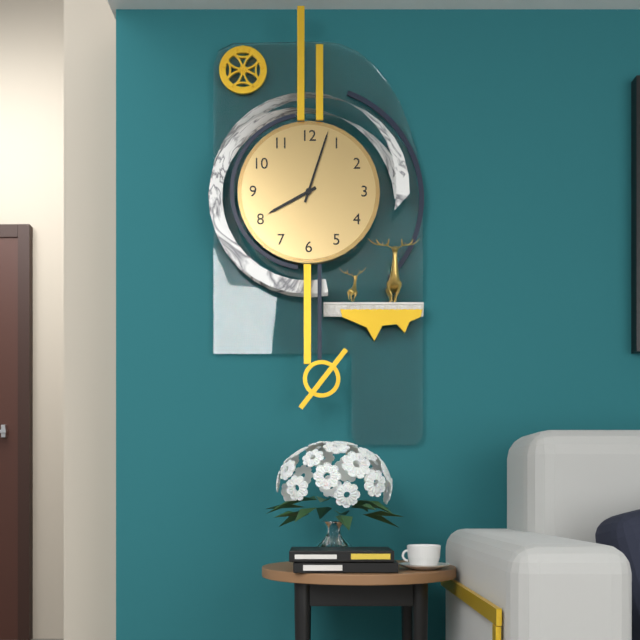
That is 8:03
